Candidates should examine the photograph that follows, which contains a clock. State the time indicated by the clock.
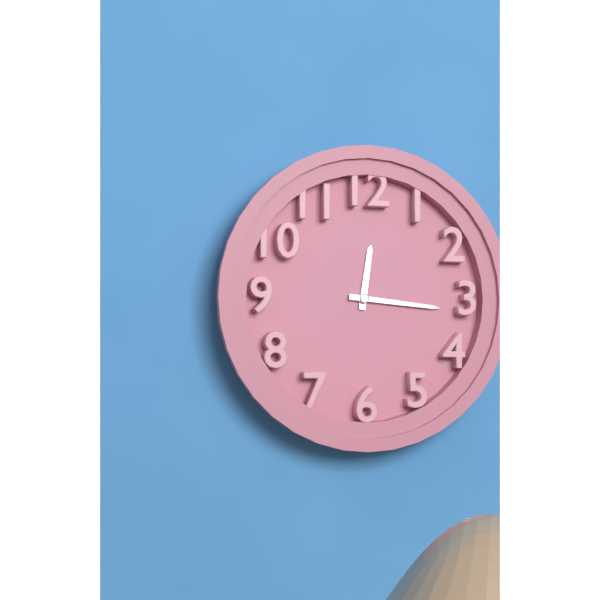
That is 12:16
